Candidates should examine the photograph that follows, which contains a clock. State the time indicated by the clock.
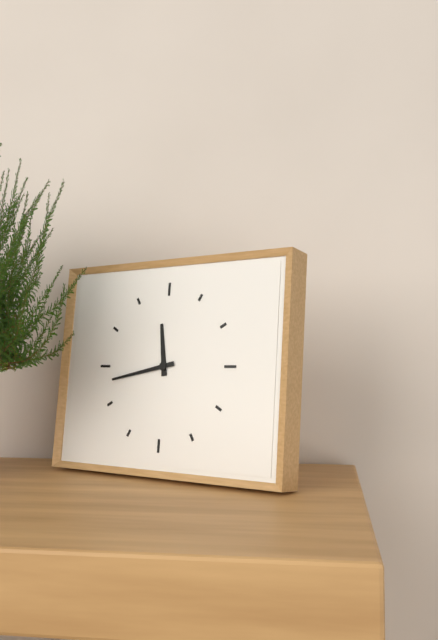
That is 11:43
